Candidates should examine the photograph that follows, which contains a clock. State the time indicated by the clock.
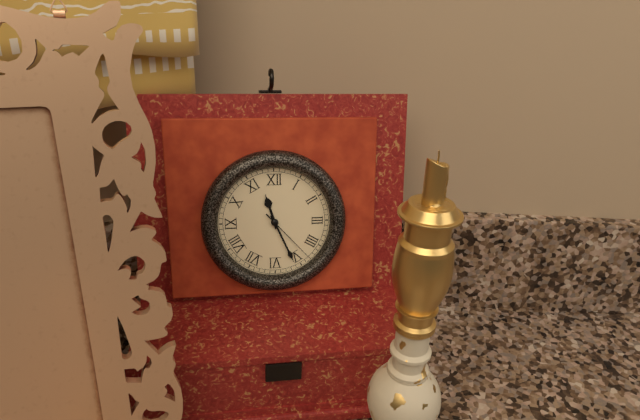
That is 11:26:23
